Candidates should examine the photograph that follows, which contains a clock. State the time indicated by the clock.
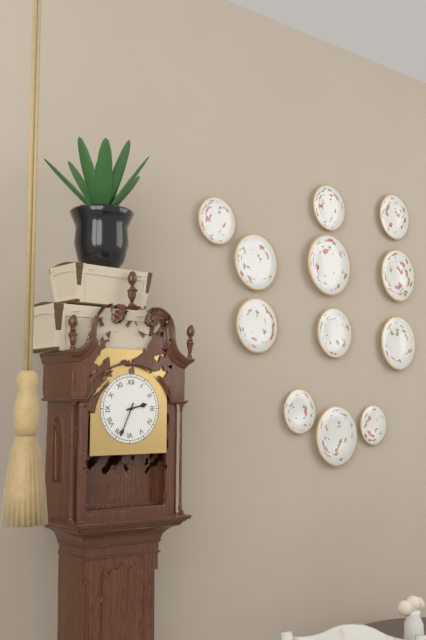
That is 2:34
